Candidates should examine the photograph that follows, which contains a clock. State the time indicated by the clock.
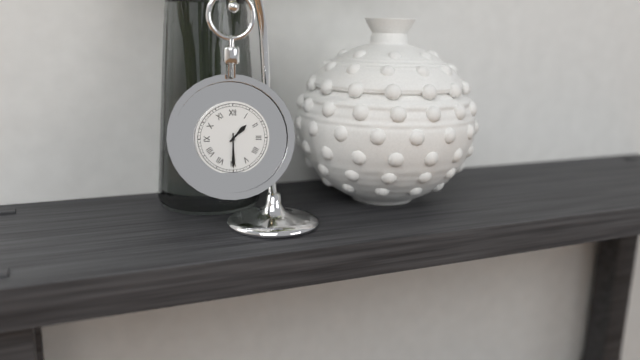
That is 1:30
